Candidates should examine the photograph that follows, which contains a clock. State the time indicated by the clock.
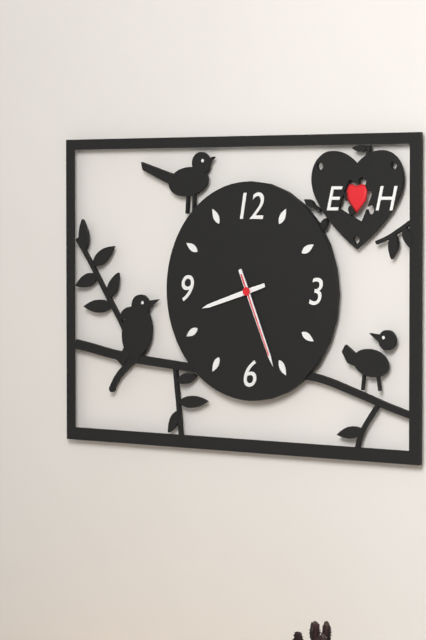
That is 8:26:26
